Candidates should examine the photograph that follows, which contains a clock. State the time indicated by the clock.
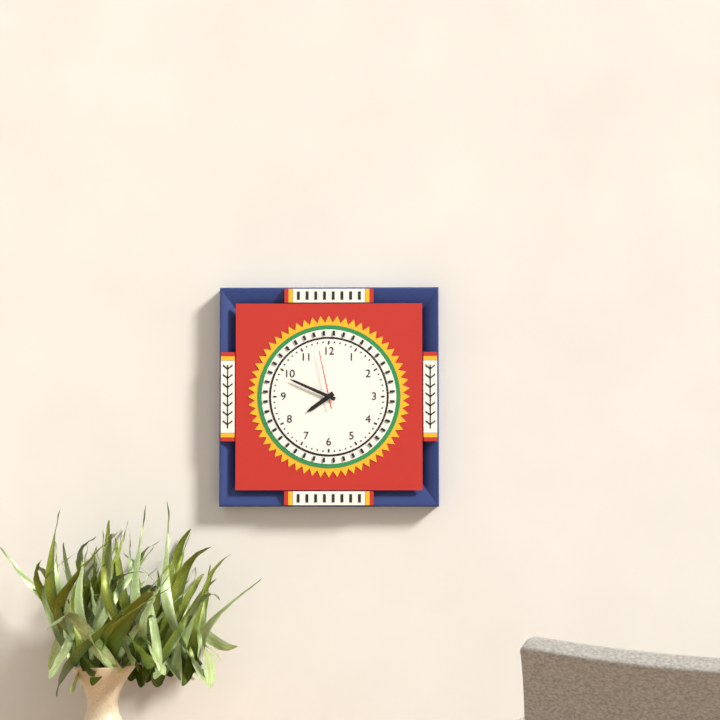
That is 7:49:58
